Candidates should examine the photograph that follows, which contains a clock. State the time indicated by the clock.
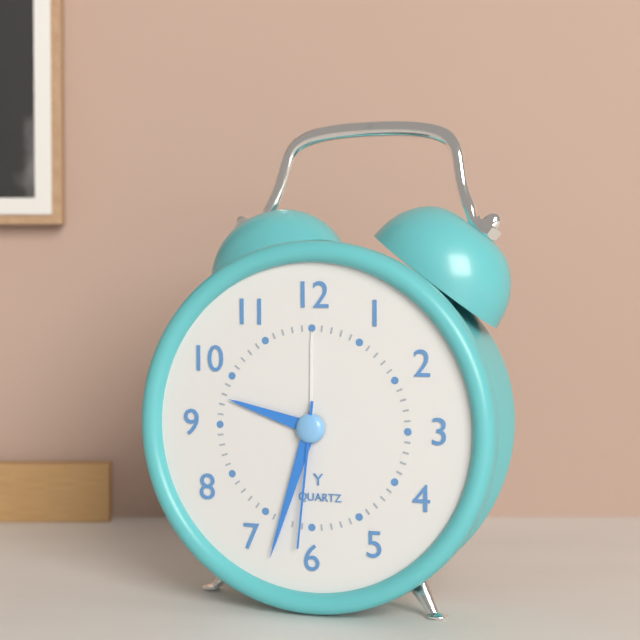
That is 9:33:31
